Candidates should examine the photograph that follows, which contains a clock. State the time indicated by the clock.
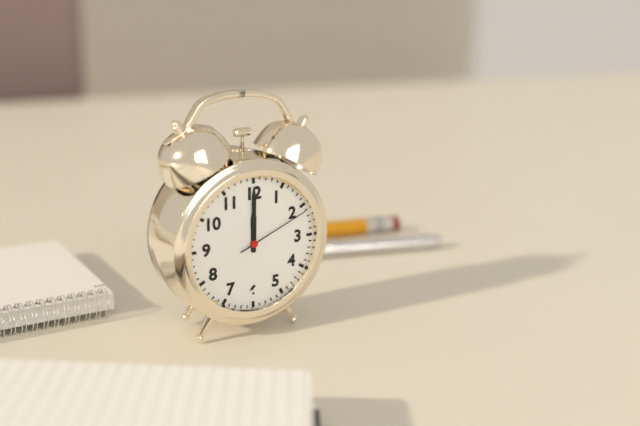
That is 12:00:11
